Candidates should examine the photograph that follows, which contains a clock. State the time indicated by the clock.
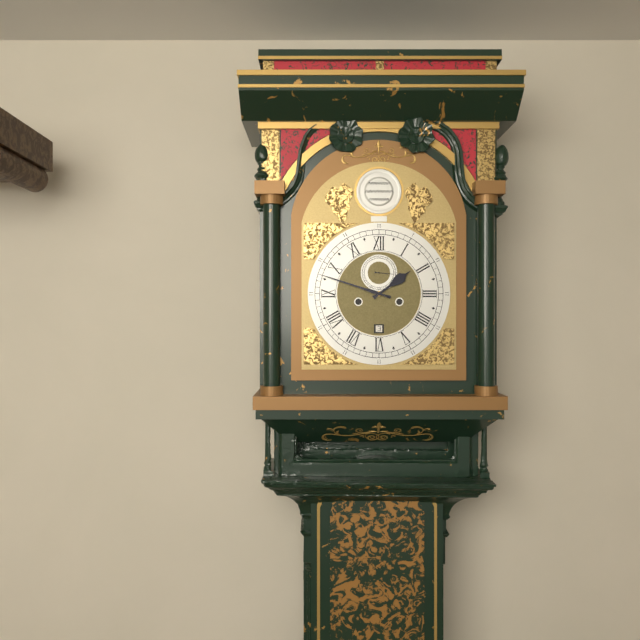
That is 1:48
